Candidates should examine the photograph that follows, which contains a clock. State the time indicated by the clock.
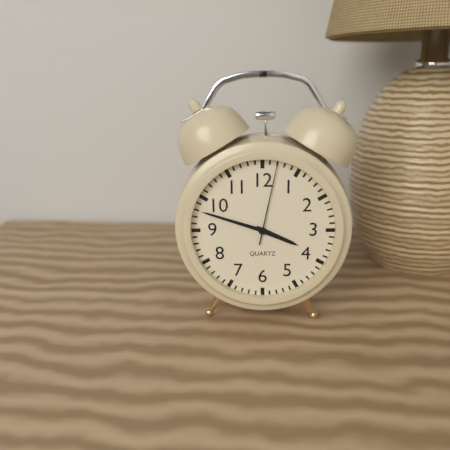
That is 3:48:02
